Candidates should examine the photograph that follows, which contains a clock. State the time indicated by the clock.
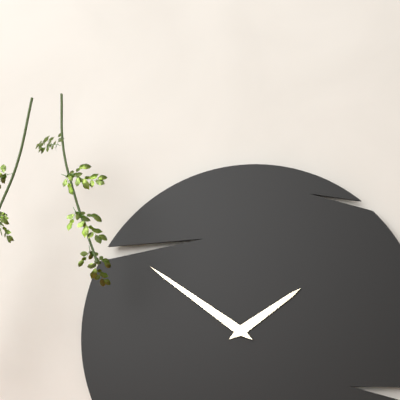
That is 1:51
